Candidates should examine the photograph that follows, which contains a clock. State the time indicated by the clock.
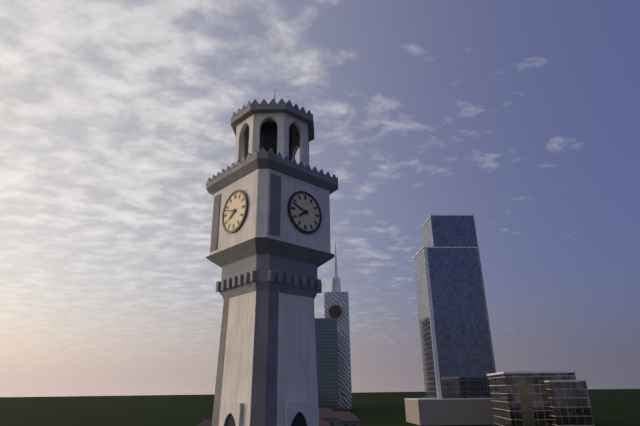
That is 7:48
